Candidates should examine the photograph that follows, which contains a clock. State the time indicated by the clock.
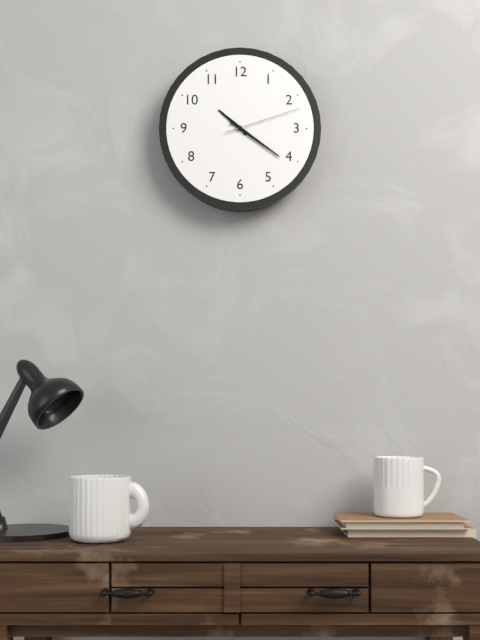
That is 10:21:12
